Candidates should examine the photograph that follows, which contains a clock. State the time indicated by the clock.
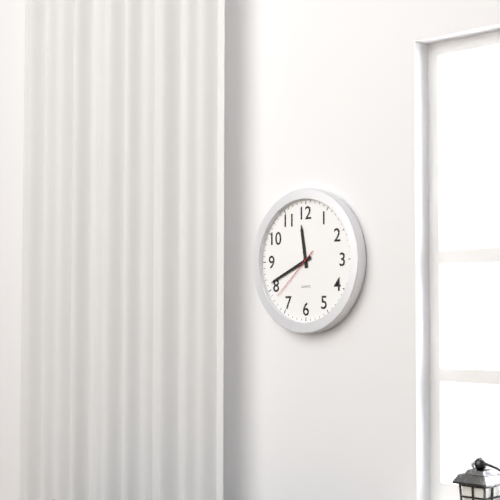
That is 11:41:38
